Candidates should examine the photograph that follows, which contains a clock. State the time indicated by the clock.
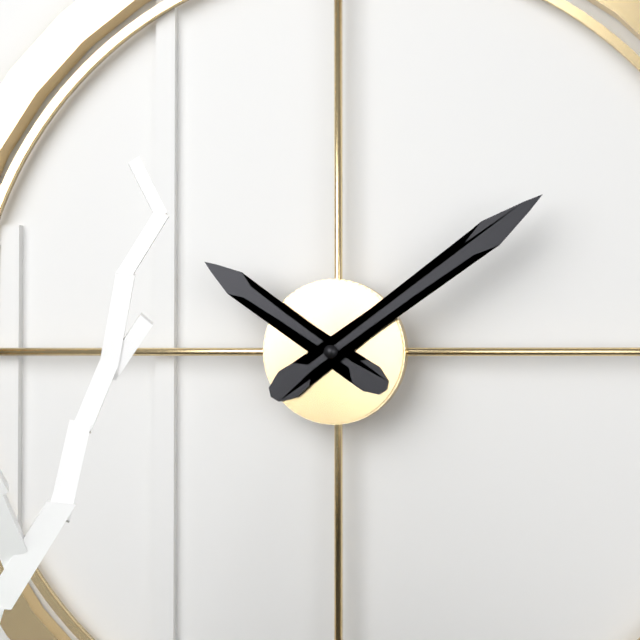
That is 10:09
